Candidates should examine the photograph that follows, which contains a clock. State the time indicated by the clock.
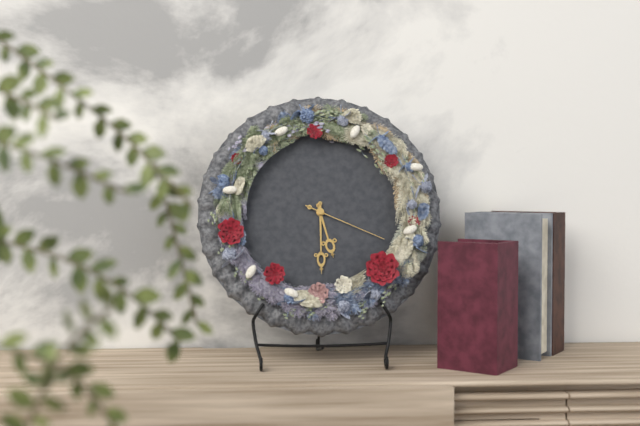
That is 5:30:19
